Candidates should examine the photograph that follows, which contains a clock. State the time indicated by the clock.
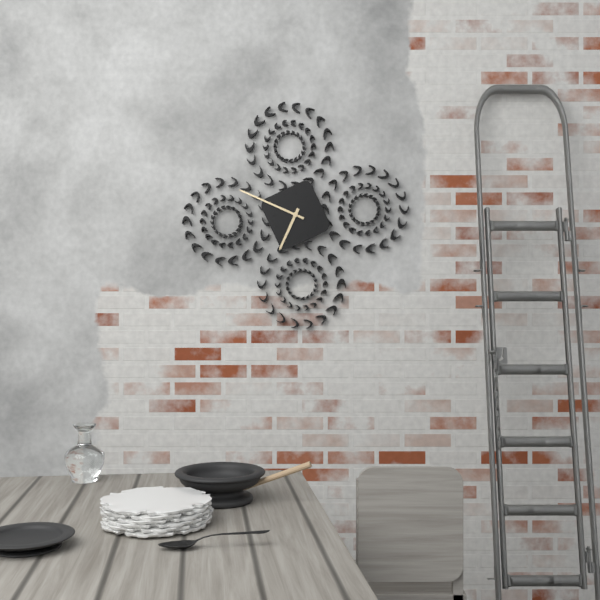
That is 6:49
